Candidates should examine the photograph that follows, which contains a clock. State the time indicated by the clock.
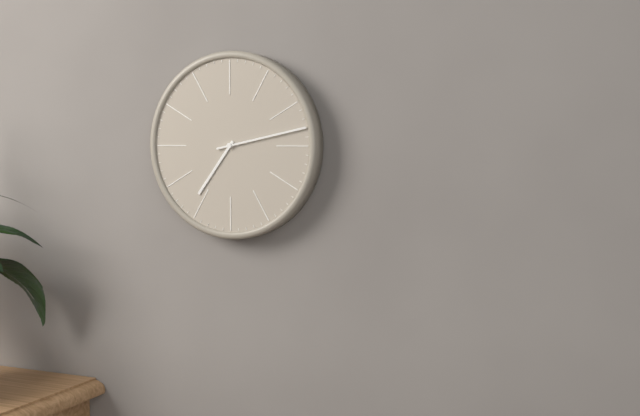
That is 7:13
